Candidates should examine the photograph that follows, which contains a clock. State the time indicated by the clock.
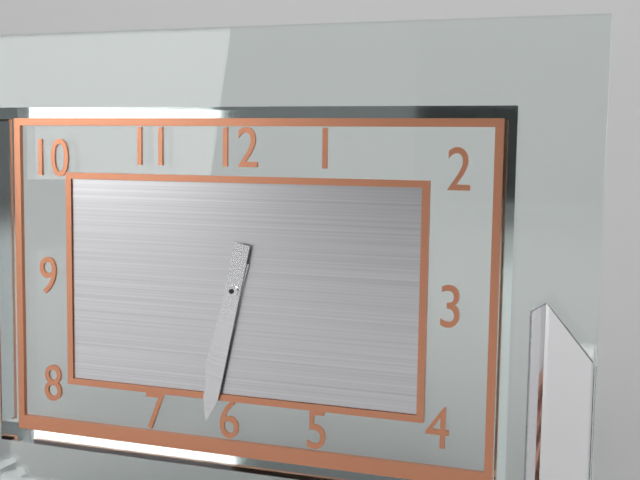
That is 6:32
